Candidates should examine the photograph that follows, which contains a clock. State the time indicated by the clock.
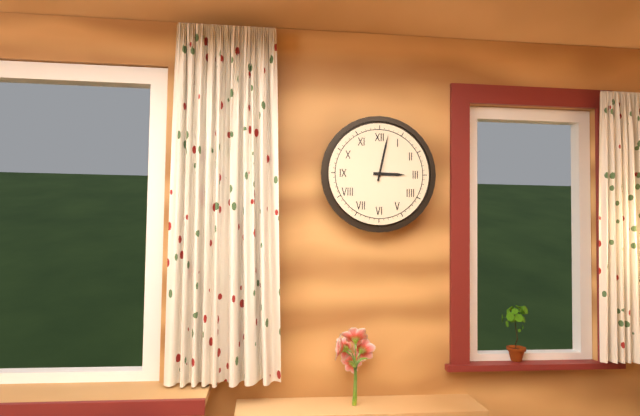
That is 3:02
